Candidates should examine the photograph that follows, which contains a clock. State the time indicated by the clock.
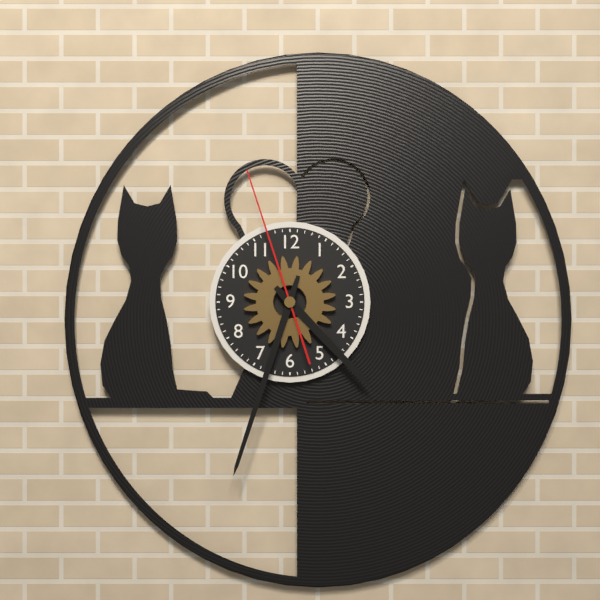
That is 4:33:57
